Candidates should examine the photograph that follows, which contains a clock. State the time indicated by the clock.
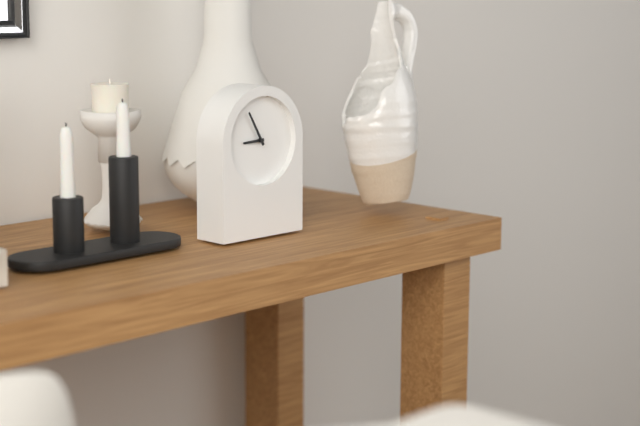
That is 8:55
